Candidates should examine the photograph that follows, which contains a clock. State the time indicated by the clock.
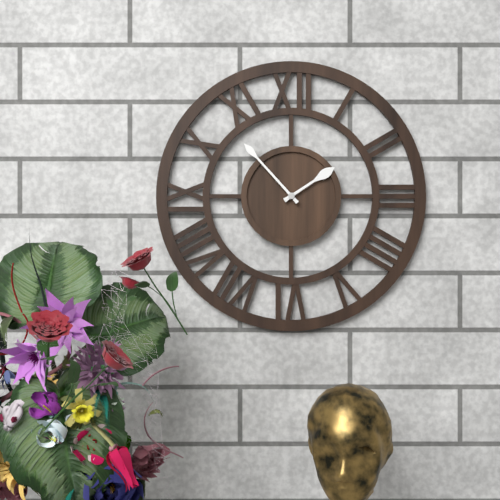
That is 1:53
